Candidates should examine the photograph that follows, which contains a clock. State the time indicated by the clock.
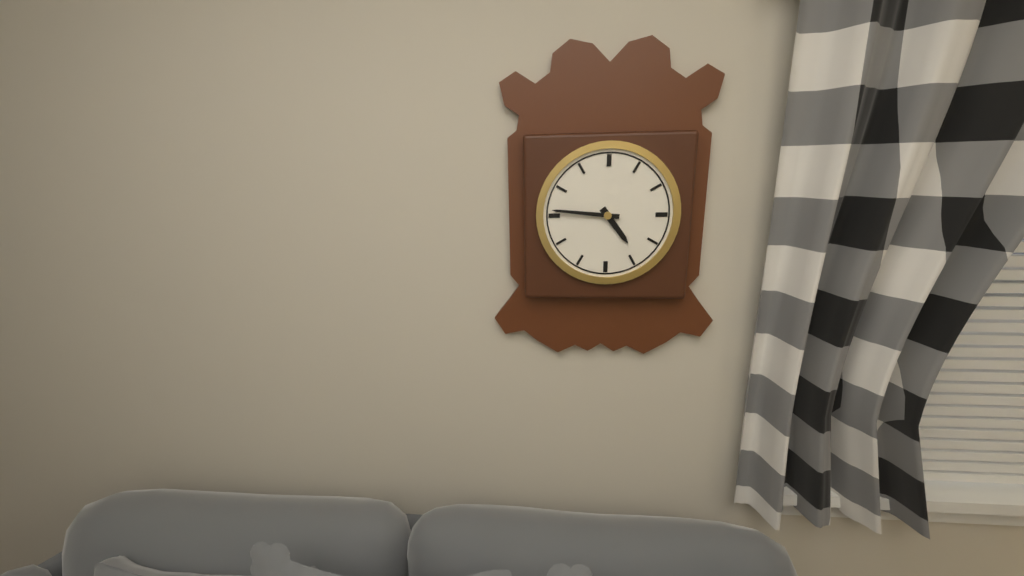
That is 4:46
